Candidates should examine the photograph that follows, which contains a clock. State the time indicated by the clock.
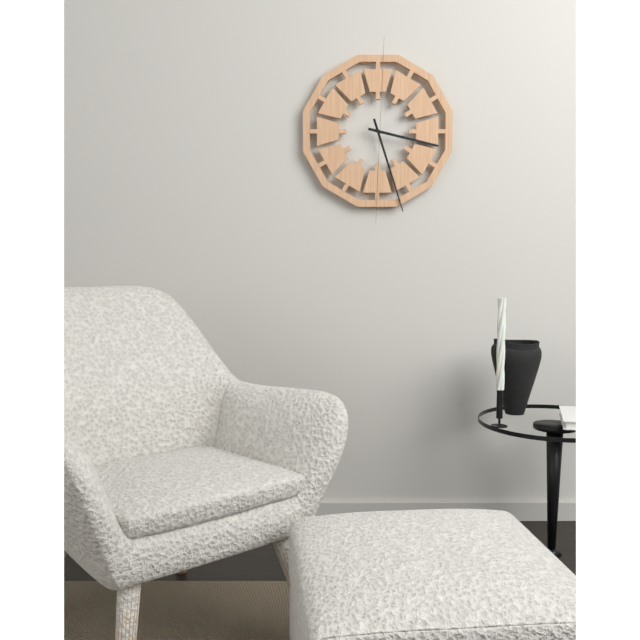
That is 3:27
